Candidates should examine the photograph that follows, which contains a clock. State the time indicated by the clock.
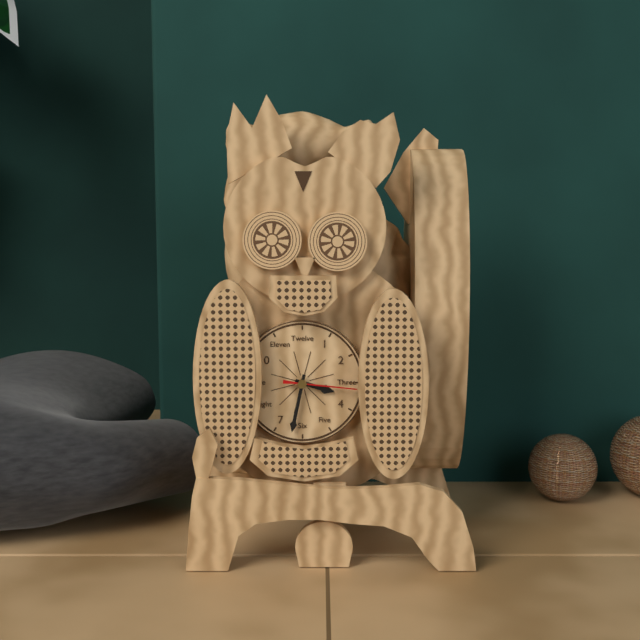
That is 3:32:16
